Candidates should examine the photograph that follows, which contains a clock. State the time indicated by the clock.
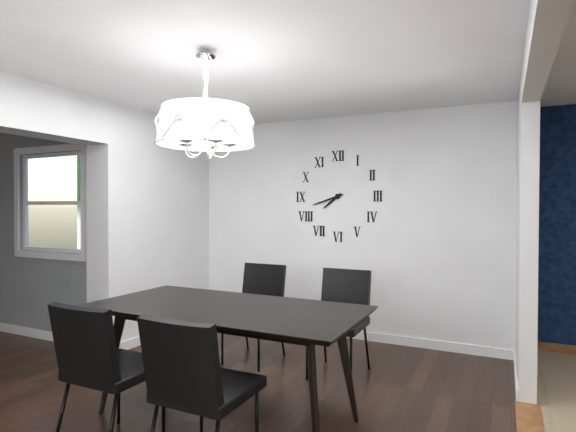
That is 7:42
